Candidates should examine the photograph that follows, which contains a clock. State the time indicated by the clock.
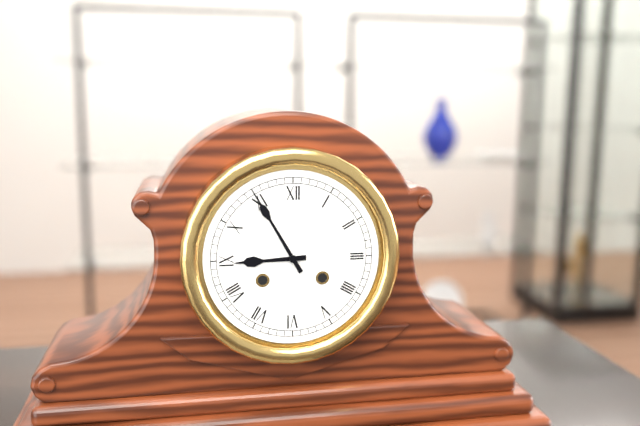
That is 8:55
